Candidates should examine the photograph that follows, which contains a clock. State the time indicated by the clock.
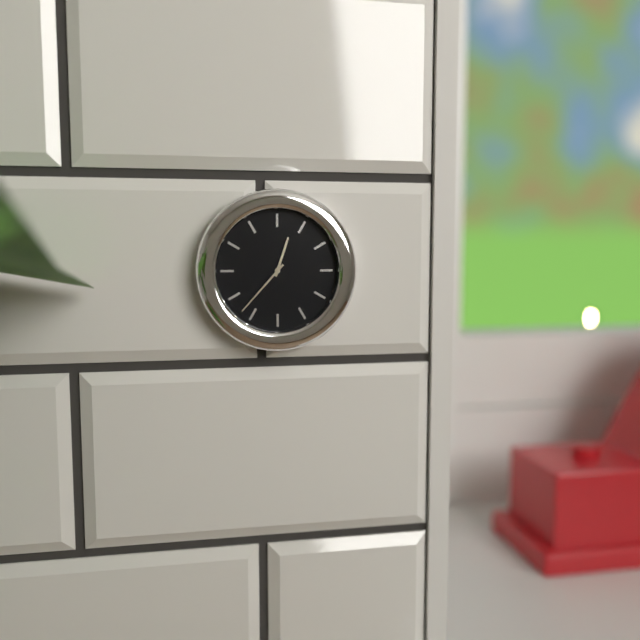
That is 12:37
